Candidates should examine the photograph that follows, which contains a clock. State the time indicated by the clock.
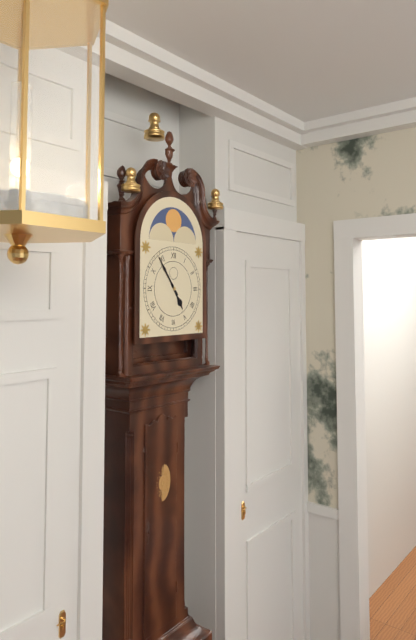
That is 4:54
